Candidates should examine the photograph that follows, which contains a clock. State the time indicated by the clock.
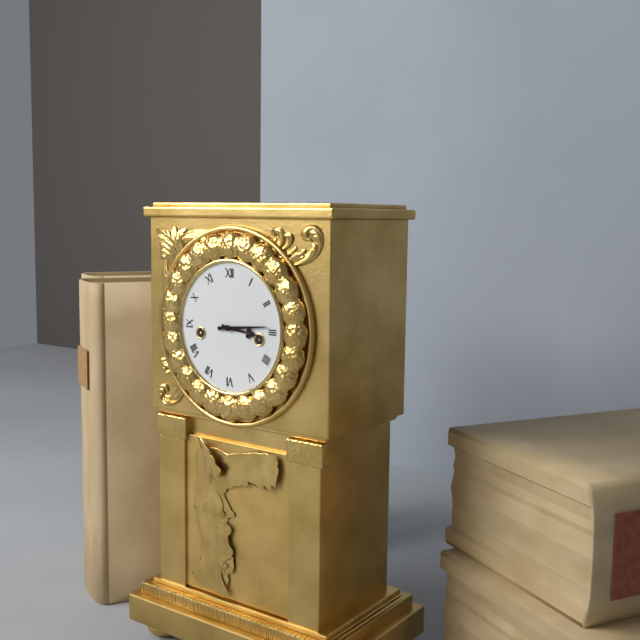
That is 3:14
